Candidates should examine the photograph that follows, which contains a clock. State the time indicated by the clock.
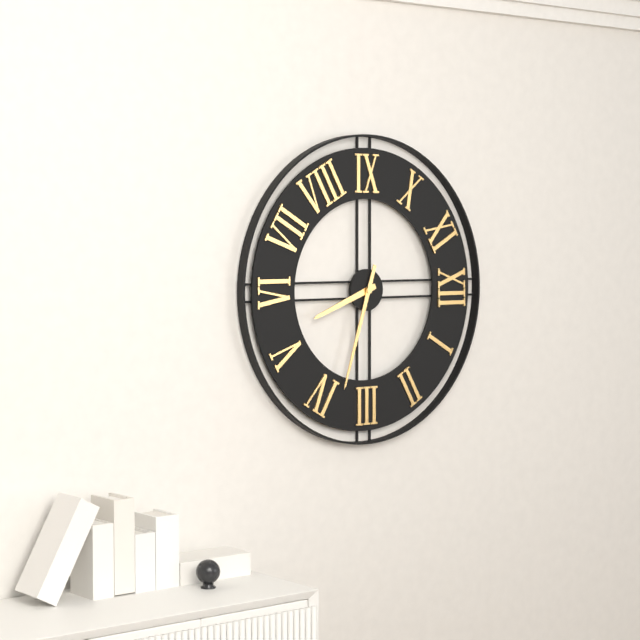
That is 5:18
